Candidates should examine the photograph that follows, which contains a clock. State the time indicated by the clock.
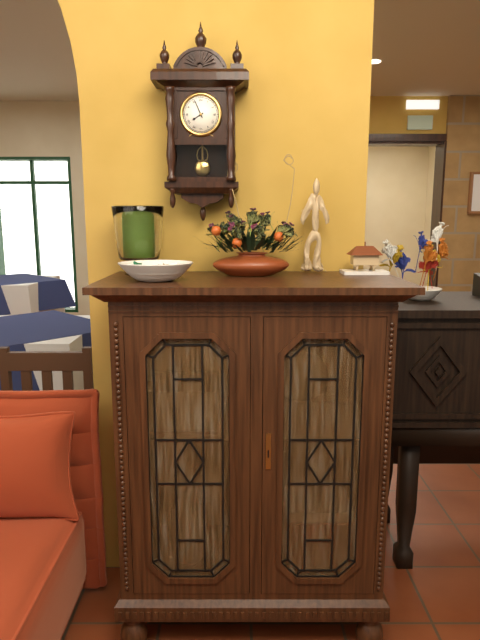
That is 7:56
